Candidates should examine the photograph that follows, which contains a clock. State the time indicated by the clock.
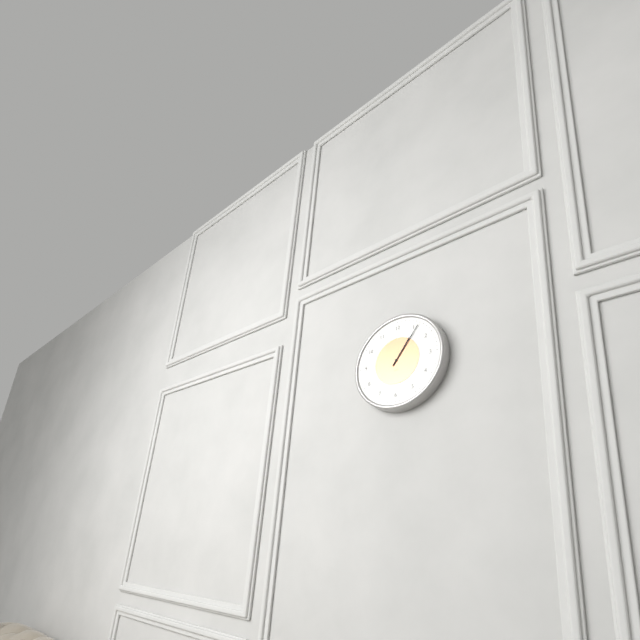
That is 1:06
